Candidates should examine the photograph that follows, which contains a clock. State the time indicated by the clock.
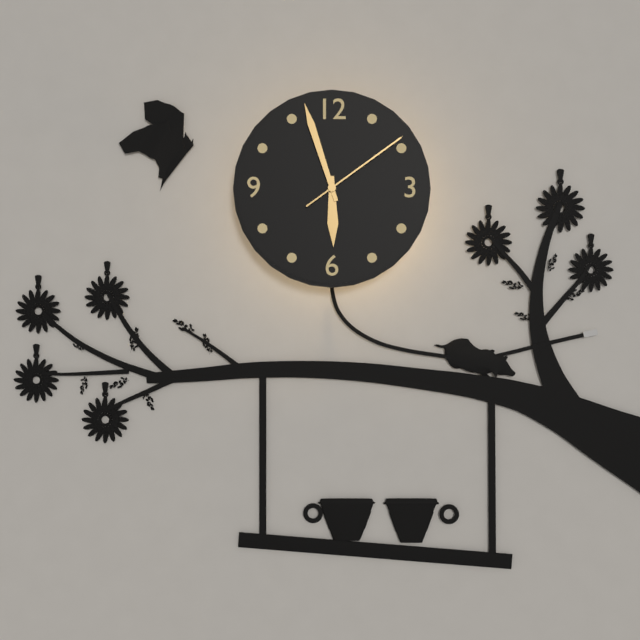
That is 5:57:09
